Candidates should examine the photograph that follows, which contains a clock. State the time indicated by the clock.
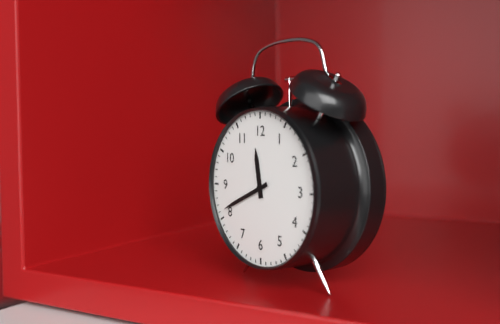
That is 11:41
